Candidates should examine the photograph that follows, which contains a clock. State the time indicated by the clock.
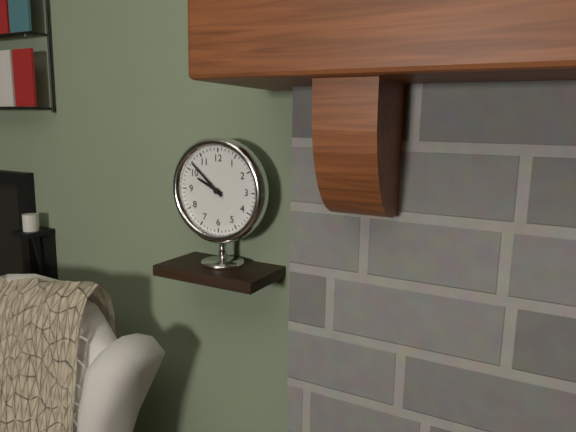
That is 9:52
